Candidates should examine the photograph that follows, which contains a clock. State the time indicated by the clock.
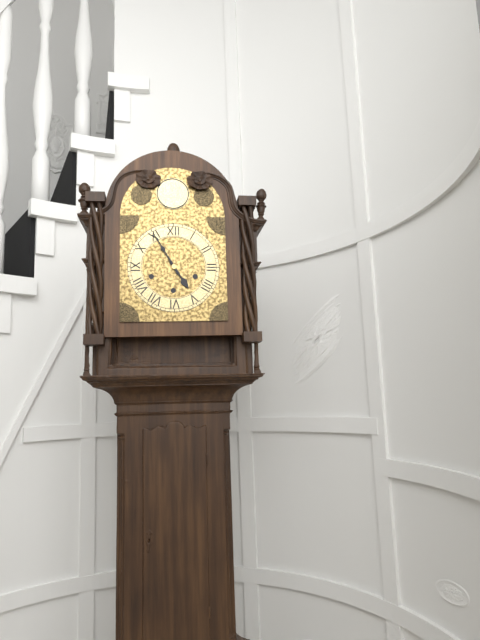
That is 4:55
